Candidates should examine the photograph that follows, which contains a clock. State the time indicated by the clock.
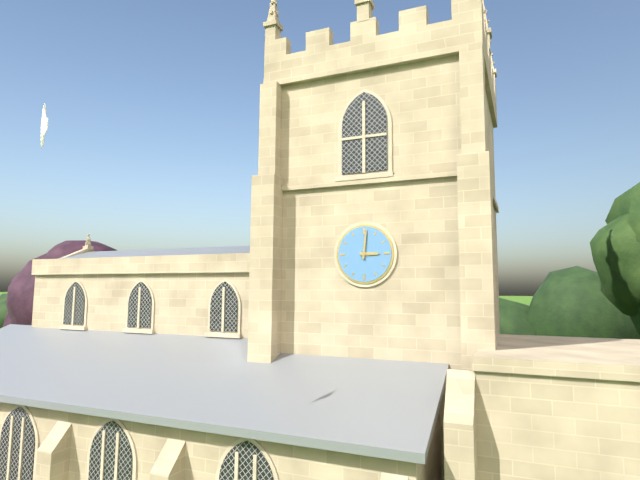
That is 3:01
